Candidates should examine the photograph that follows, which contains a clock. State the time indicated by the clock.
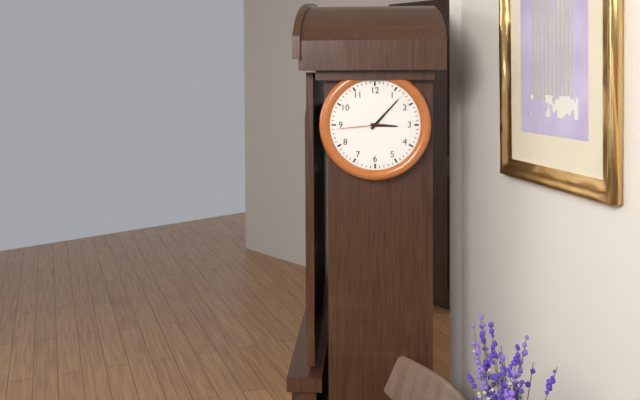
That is 3:07
